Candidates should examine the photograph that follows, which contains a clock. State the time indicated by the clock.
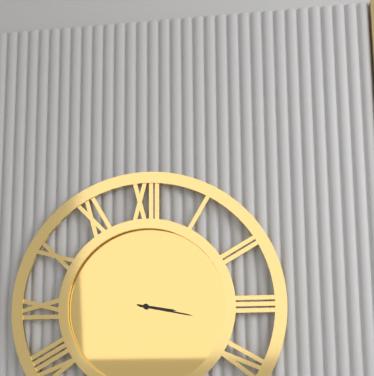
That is 3:17
